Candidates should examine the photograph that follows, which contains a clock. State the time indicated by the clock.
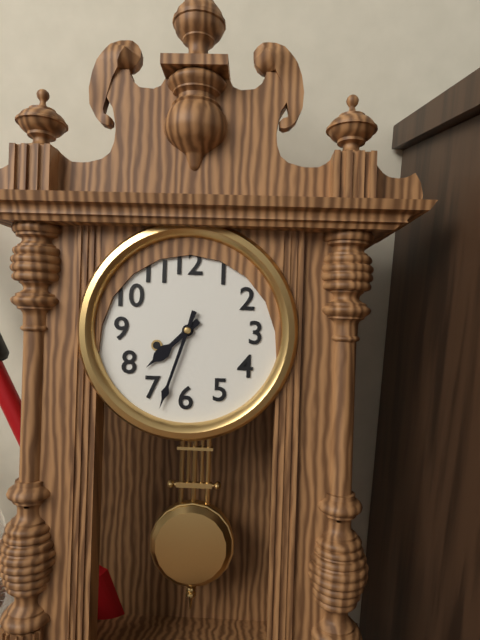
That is 7:33
